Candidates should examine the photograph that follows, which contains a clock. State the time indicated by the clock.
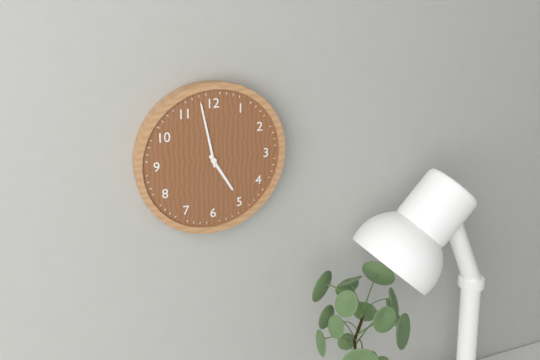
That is 4:58
